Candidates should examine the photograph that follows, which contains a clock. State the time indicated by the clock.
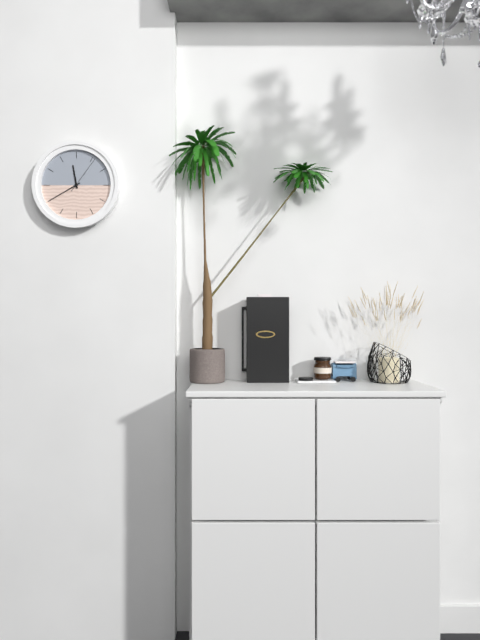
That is 11:40
